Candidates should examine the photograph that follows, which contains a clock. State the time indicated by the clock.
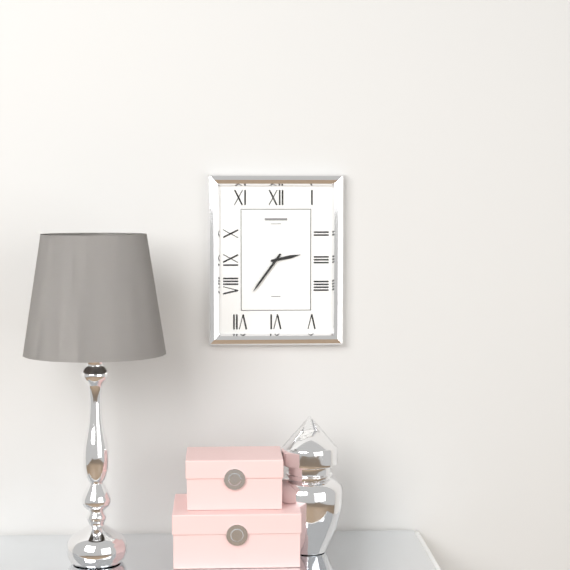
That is 2:36
